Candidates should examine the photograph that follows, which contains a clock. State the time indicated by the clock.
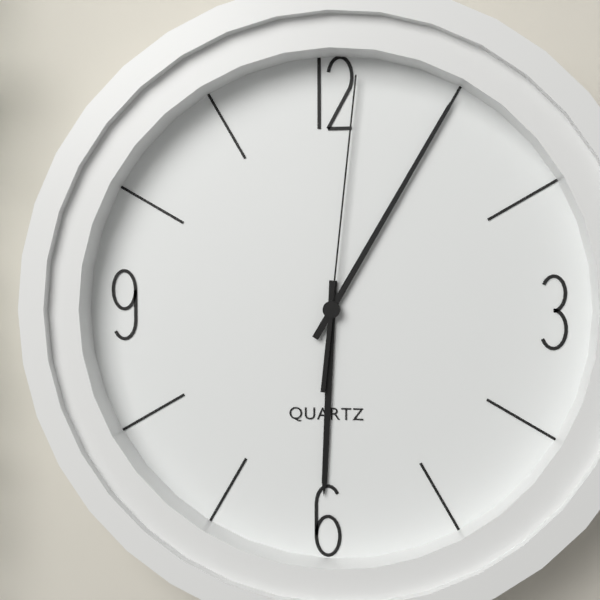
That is 6:05:01
